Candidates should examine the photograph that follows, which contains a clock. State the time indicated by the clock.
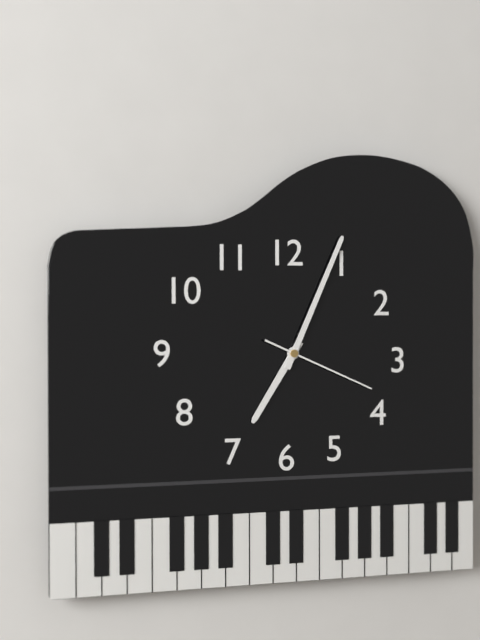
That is 7:04:19
